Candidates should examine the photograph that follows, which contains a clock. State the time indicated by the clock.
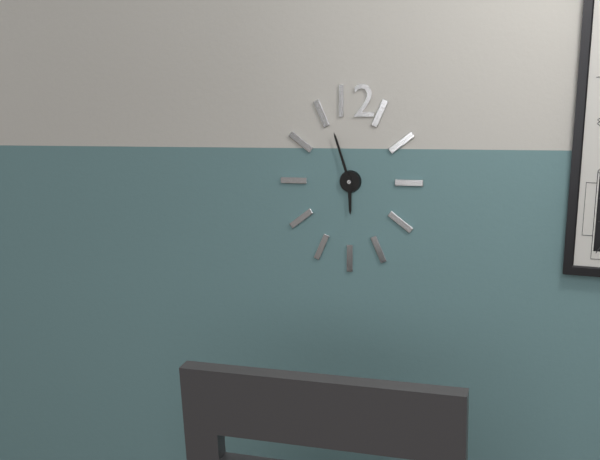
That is 5:57
